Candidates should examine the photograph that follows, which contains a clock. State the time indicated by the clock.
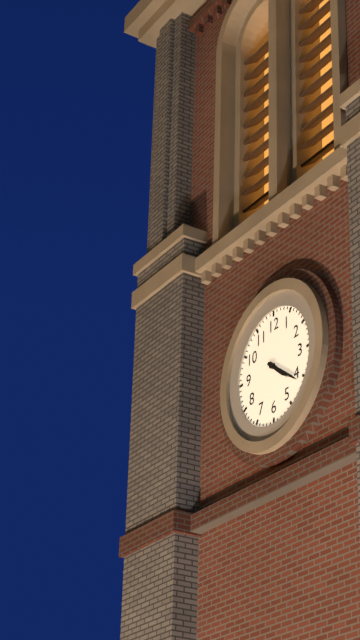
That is 4:21
